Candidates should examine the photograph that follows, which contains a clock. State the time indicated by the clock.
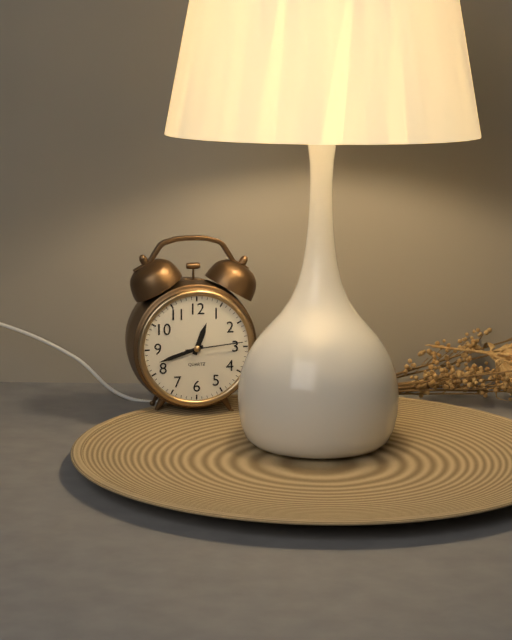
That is 12:42:14
